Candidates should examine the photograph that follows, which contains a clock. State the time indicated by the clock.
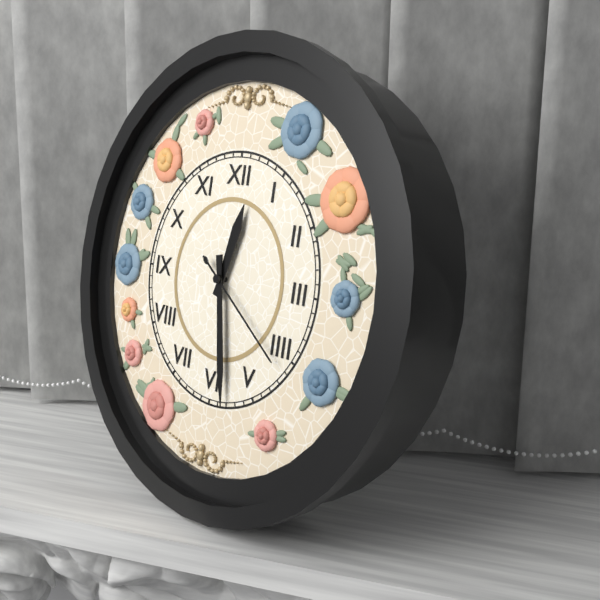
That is 12:28:21
